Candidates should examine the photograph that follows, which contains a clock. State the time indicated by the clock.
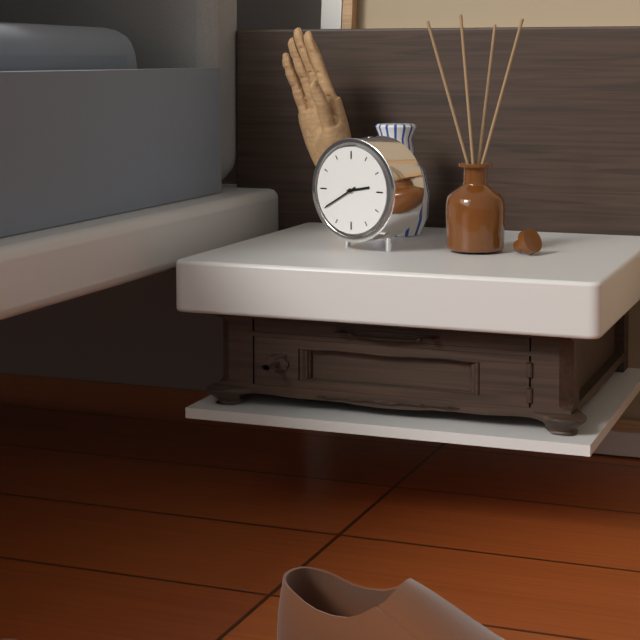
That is 2:40
